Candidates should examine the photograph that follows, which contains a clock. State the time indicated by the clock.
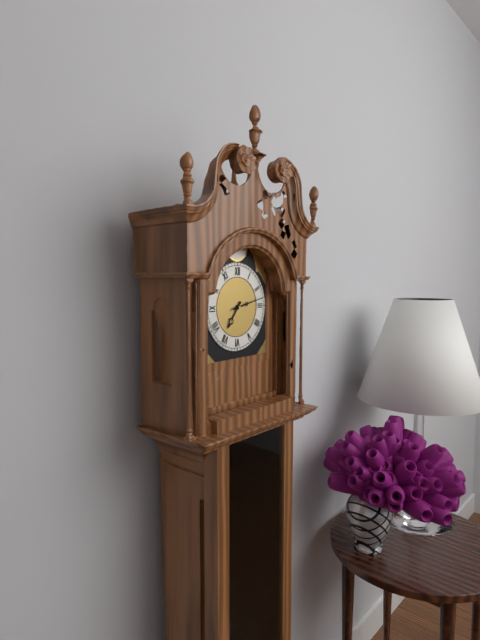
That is 7:13
